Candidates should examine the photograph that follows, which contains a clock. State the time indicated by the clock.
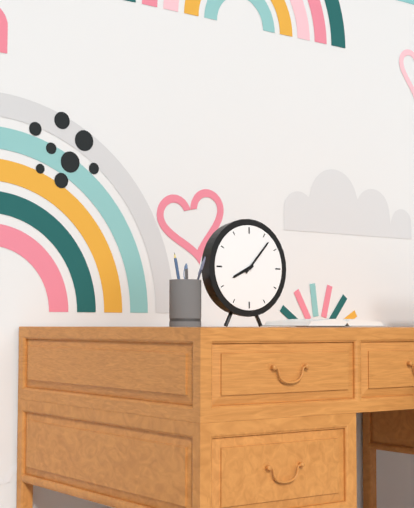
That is 8:07
